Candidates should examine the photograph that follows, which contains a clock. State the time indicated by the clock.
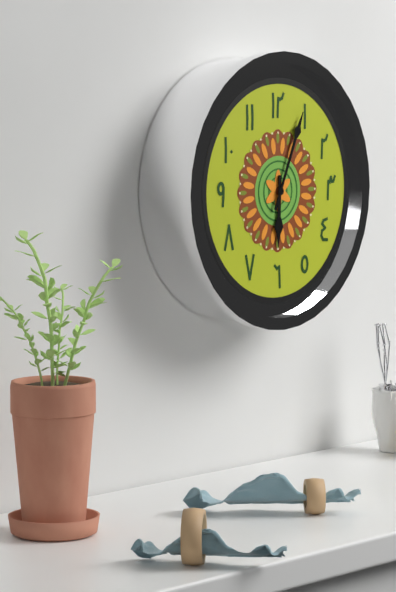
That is 6:04
